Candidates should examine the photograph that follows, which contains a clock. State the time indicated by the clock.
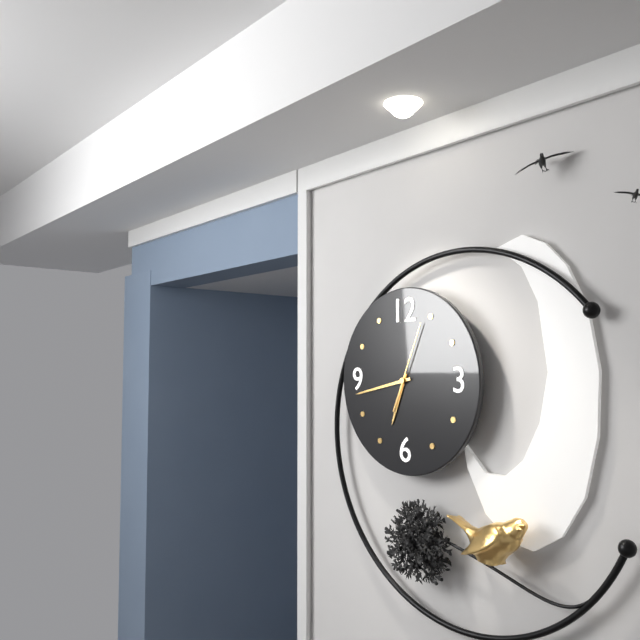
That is 6:43:04
